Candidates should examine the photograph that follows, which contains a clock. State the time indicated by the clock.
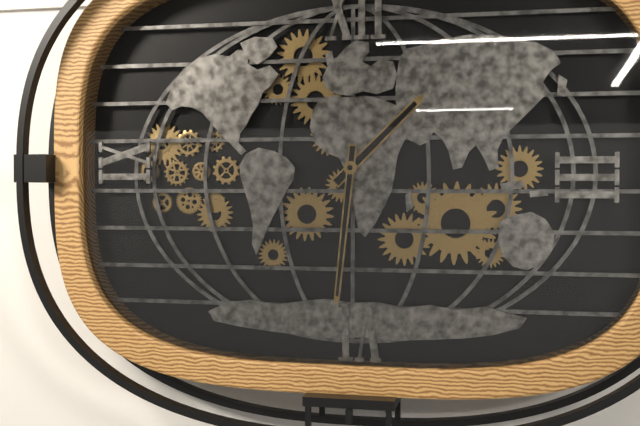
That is 1:31
